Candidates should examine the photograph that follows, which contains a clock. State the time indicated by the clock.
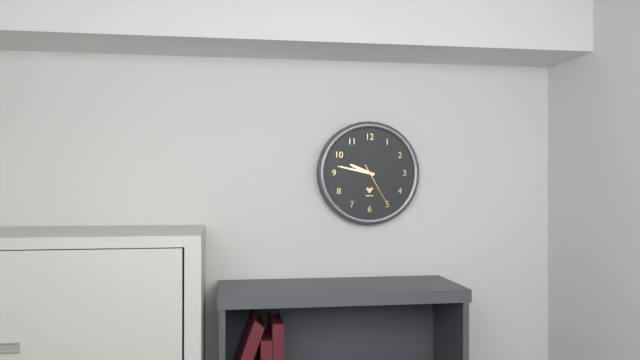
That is 9:47
